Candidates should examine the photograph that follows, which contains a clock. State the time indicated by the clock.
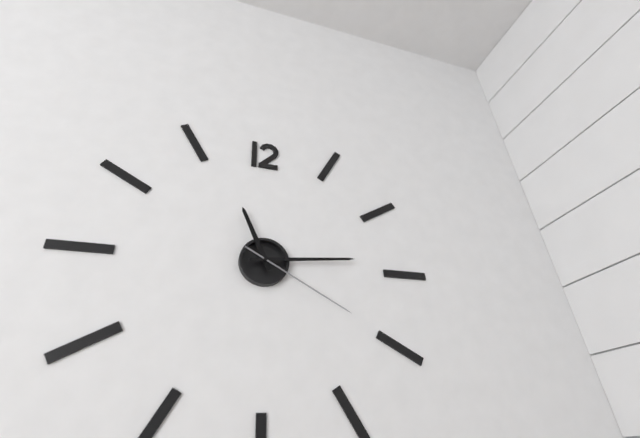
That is 11:14:20
